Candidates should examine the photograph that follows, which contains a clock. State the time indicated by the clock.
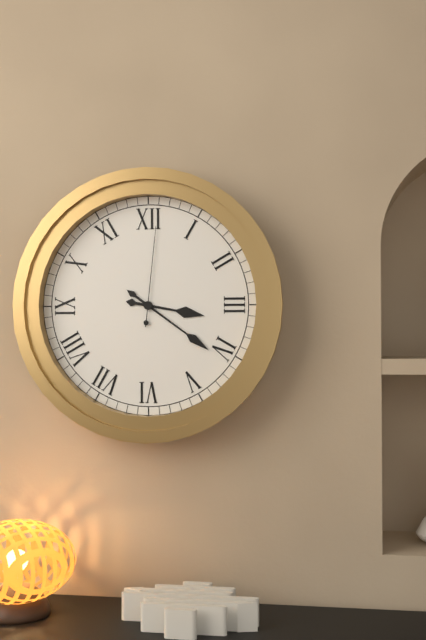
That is 3:21:01
